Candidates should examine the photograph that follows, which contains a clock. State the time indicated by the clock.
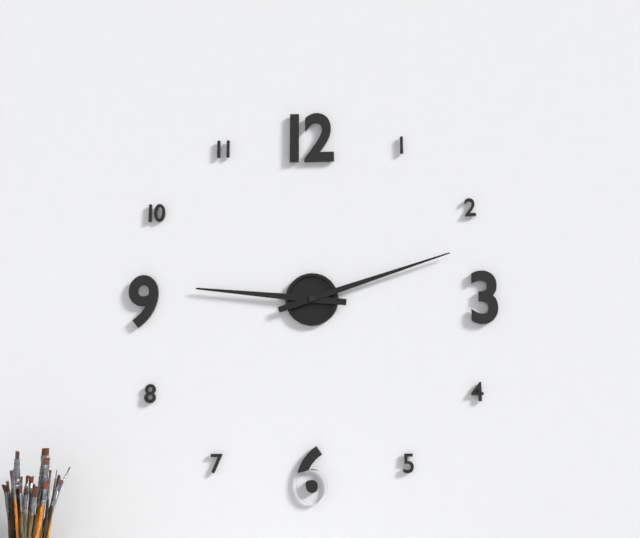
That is 9:12
